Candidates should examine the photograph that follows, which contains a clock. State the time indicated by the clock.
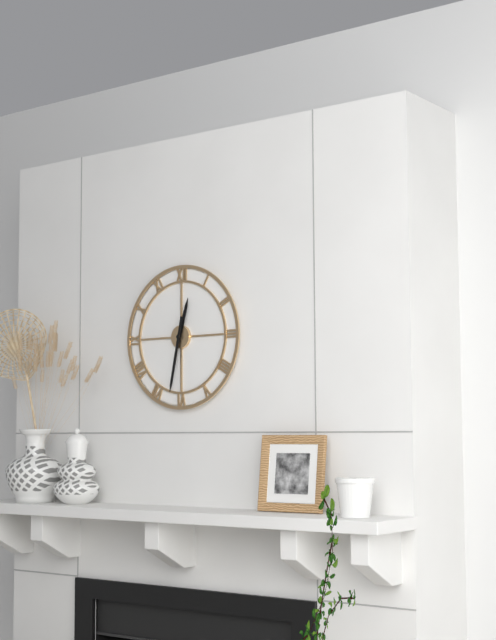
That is 12:32
